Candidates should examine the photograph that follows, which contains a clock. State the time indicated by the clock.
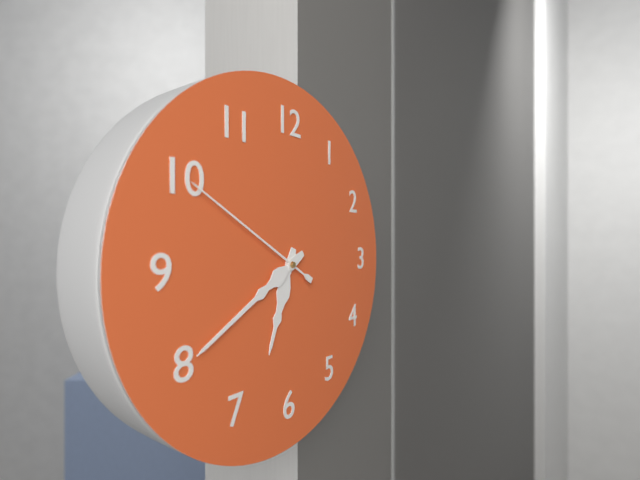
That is 6:40:50
